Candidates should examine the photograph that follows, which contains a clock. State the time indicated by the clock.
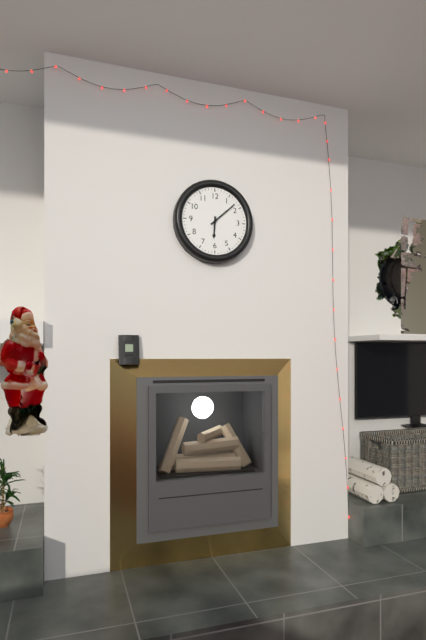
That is 6:08
